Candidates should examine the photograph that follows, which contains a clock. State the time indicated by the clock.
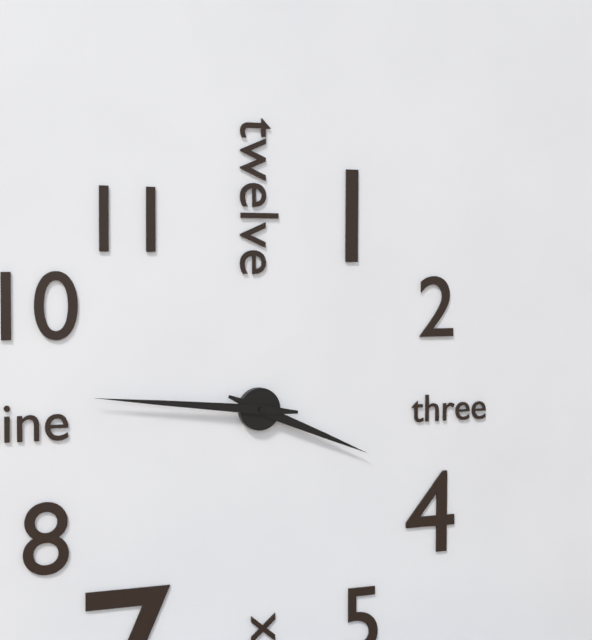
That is 3:46
